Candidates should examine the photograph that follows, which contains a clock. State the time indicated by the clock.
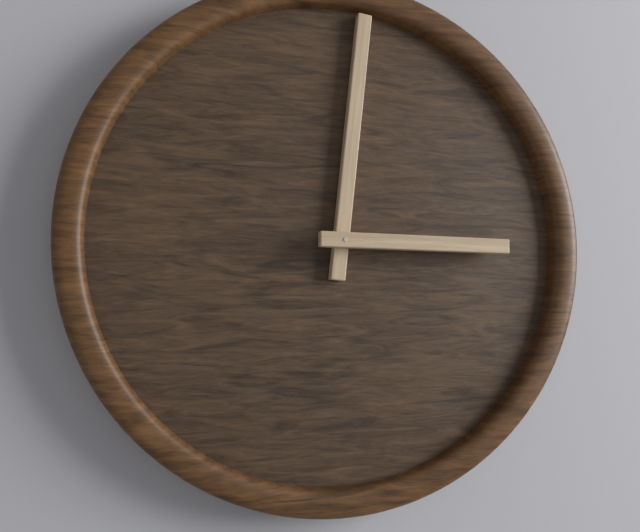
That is 3:01
